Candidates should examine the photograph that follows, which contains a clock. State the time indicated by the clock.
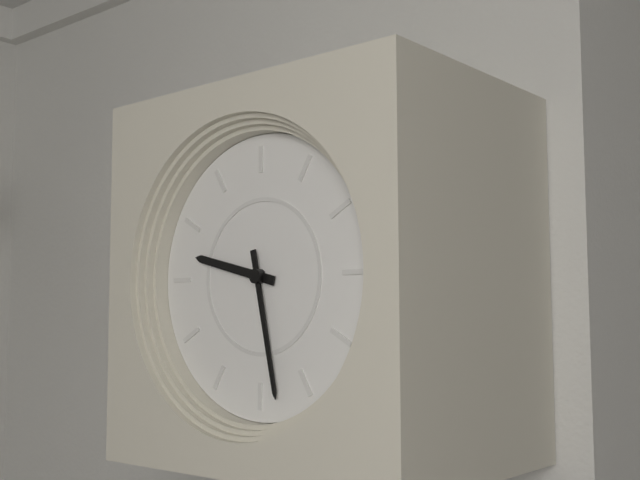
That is 9:28
